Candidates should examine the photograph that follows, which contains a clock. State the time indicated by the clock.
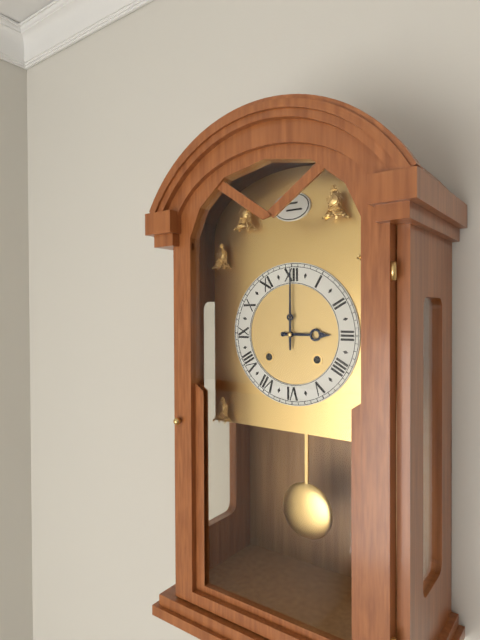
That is 3:00
